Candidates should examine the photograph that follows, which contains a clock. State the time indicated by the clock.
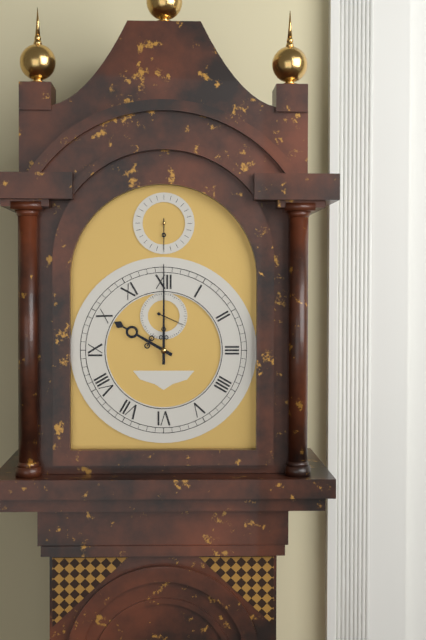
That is 10:00
